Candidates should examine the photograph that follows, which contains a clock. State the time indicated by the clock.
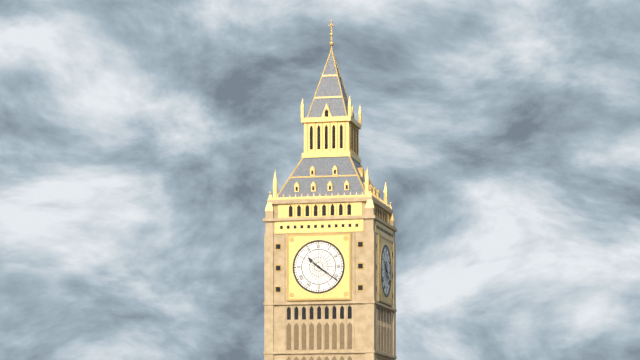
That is 10:21
